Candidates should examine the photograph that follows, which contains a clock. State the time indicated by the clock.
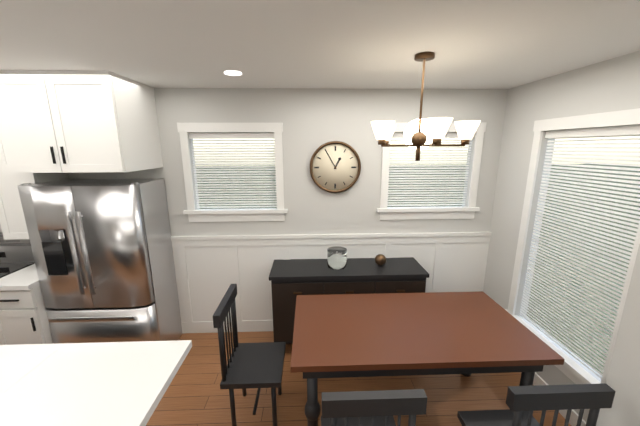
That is 12:55
